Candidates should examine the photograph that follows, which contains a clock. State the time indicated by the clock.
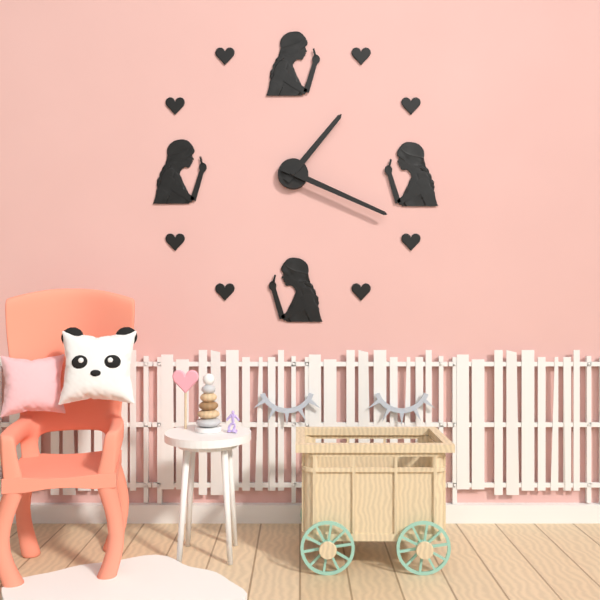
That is 1:19
